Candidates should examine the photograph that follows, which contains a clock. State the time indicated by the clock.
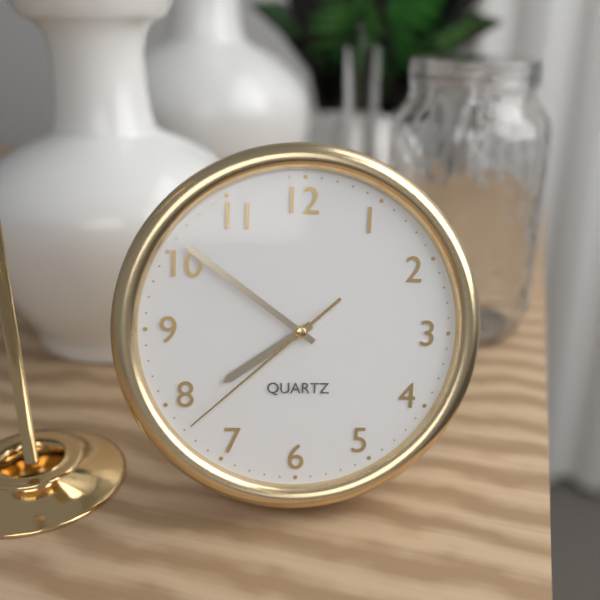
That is 7:51:38
